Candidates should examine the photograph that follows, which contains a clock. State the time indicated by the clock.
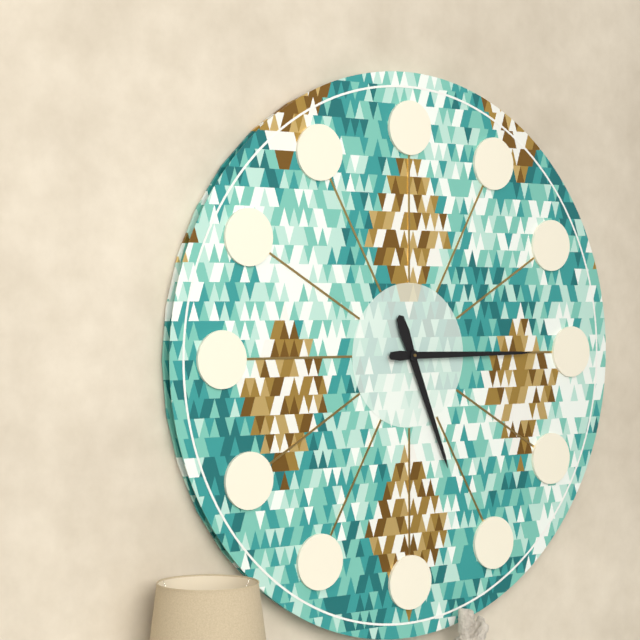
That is 5:15
